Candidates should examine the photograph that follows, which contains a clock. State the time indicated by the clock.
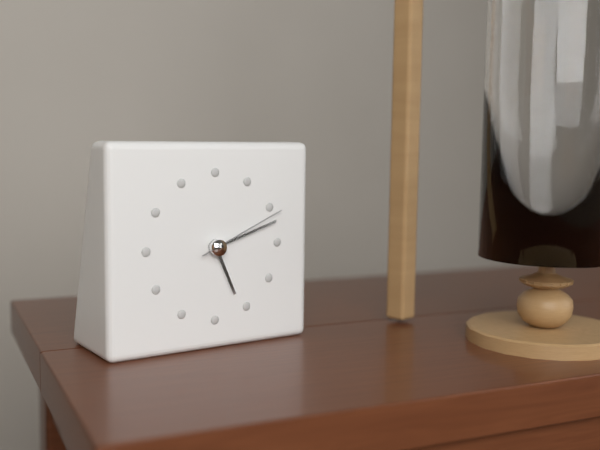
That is 5:12:11
